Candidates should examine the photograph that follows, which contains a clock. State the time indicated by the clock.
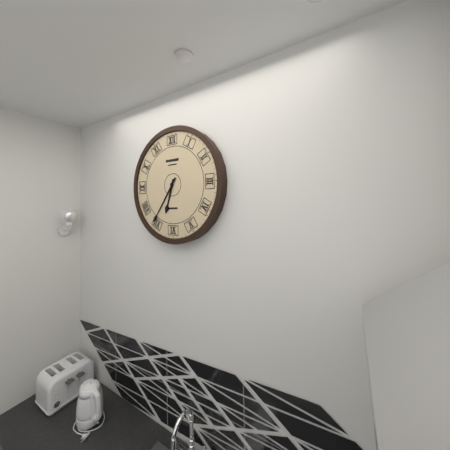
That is 6:36
